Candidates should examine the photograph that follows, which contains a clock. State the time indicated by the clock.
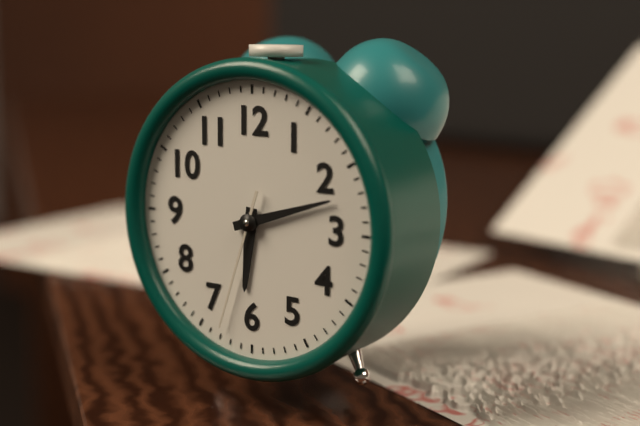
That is 6:12:33
